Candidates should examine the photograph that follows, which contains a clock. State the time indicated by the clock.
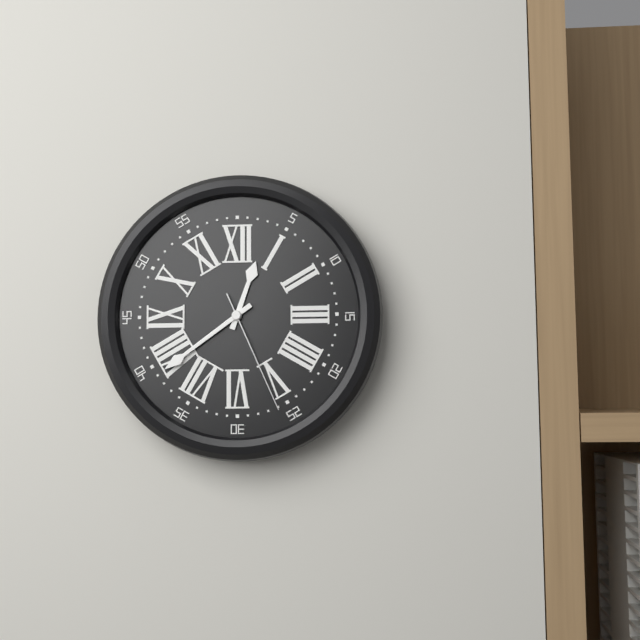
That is 12:39:26
